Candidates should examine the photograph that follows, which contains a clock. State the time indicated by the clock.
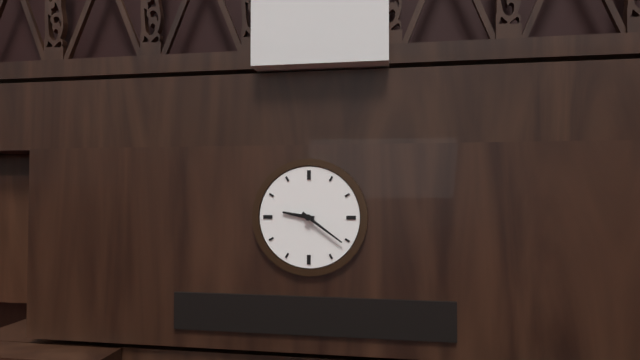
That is 9:21
